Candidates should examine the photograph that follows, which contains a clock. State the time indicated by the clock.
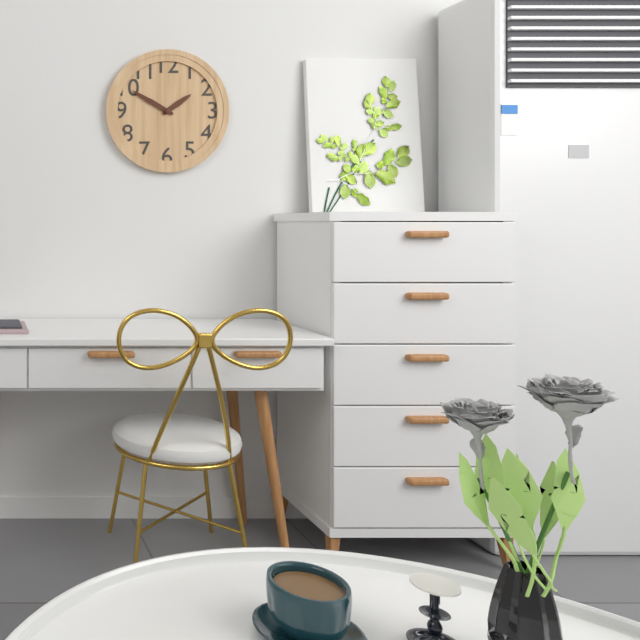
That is 1:50
